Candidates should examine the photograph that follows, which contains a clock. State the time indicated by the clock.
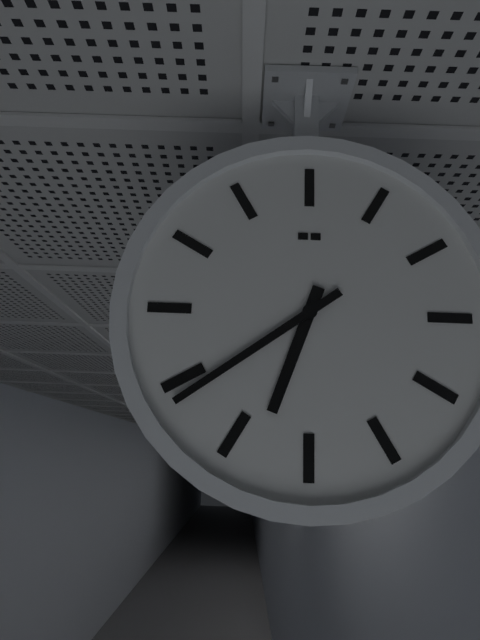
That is 6:39
